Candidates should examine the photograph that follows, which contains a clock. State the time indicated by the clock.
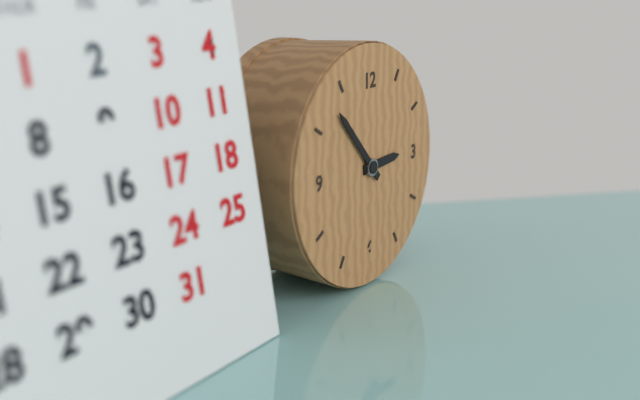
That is 2:53
